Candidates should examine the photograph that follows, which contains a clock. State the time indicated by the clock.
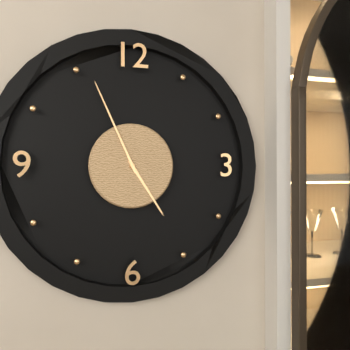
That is 4:56
